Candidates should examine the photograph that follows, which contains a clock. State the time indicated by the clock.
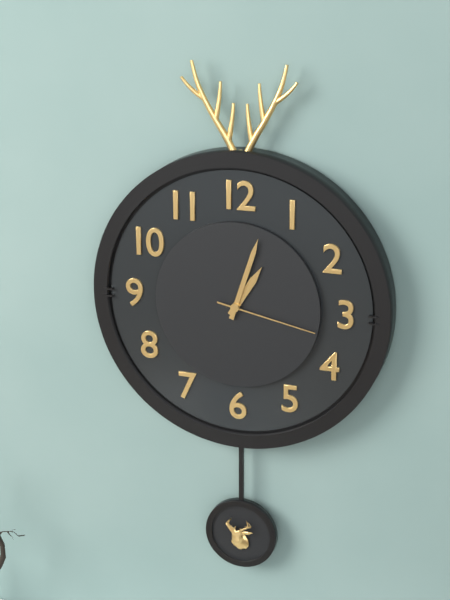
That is 1:03:17
